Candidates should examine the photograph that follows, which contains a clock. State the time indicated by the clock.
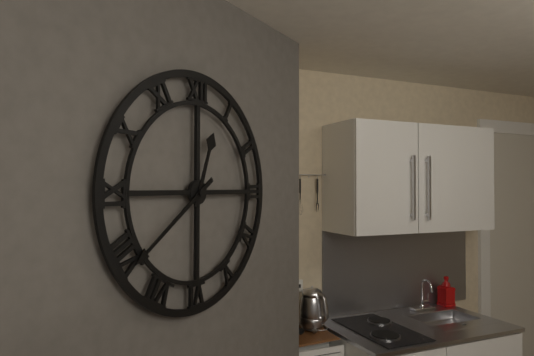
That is 12:39
